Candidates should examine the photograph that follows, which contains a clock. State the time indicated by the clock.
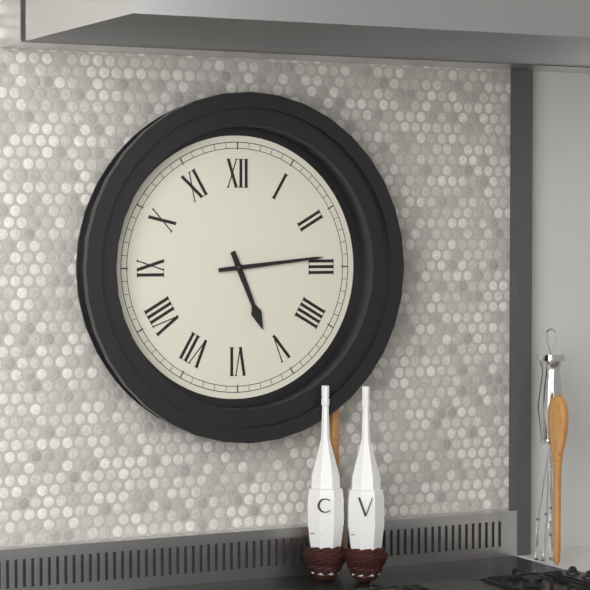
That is 5:14
